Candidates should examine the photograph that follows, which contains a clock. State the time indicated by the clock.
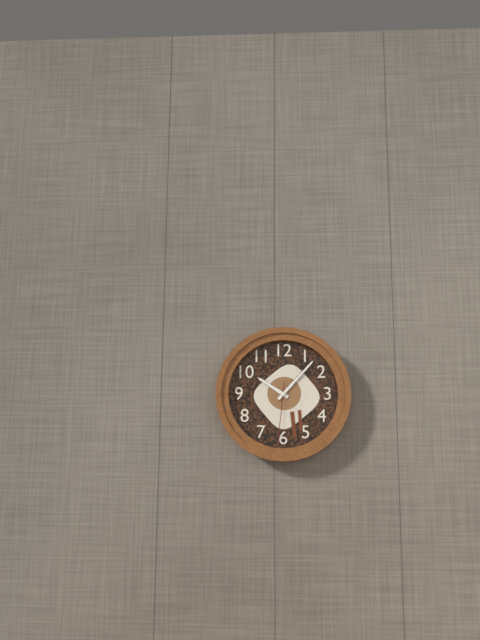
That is 10:07:31
